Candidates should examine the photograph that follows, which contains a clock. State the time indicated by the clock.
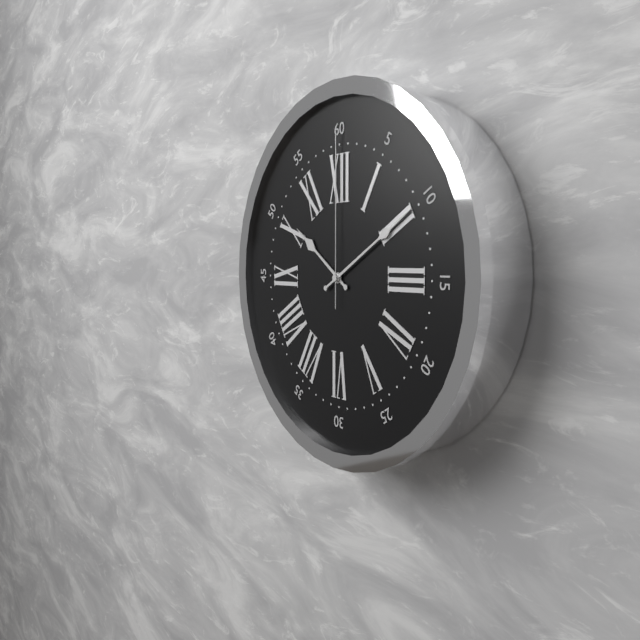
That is 10:10:00
